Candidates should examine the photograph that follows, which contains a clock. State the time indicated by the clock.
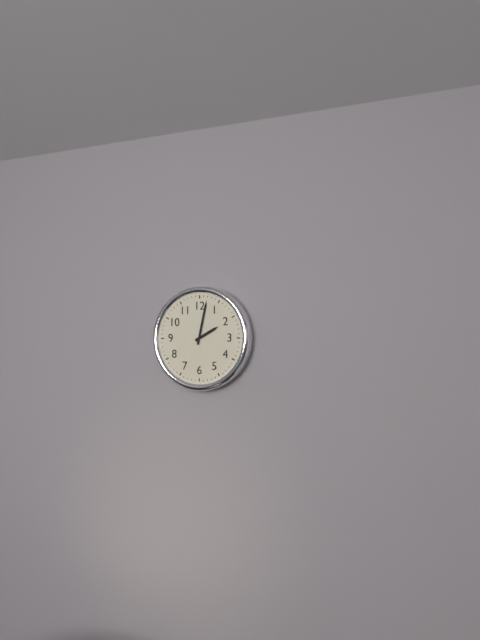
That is 2:02
